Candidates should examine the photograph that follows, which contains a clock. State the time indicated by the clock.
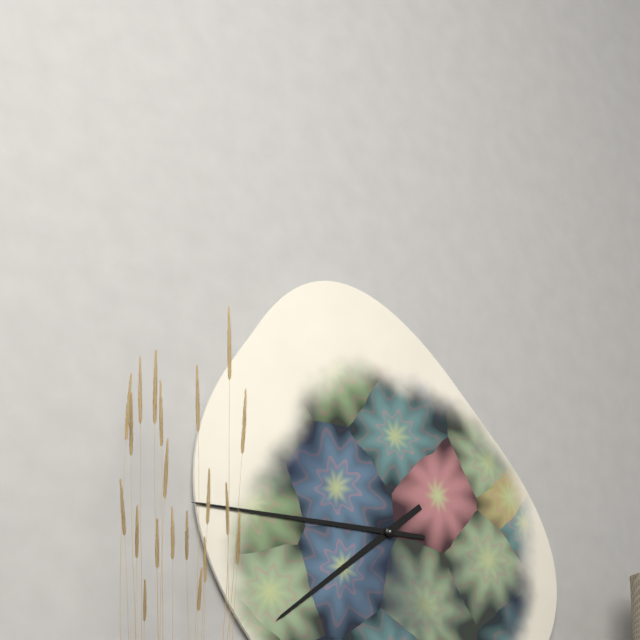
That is 7:45
